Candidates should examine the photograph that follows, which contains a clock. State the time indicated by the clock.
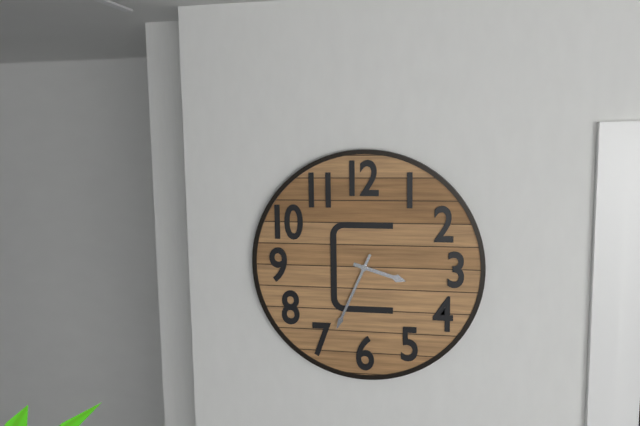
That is 3:34
